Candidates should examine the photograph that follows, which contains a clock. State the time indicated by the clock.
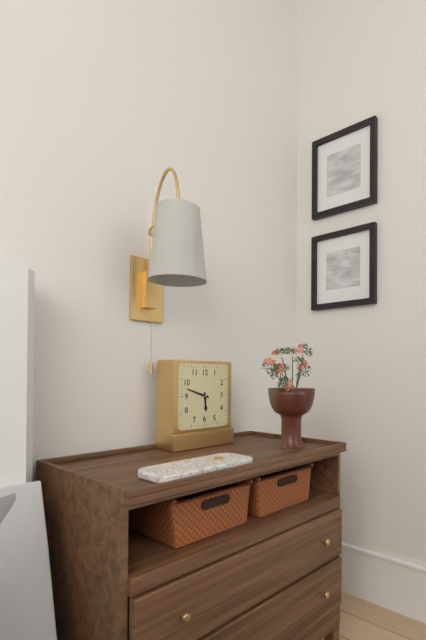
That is 5:48
